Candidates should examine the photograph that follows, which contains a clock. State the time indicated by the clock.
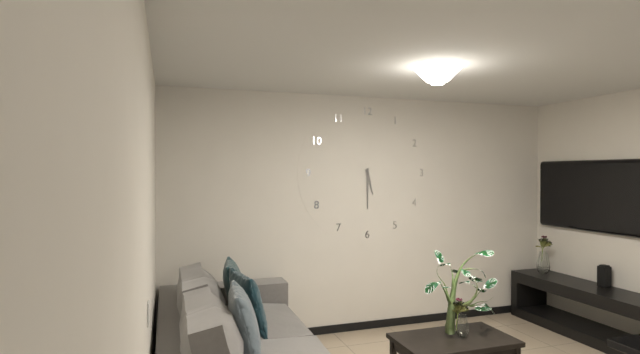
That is 5:30
